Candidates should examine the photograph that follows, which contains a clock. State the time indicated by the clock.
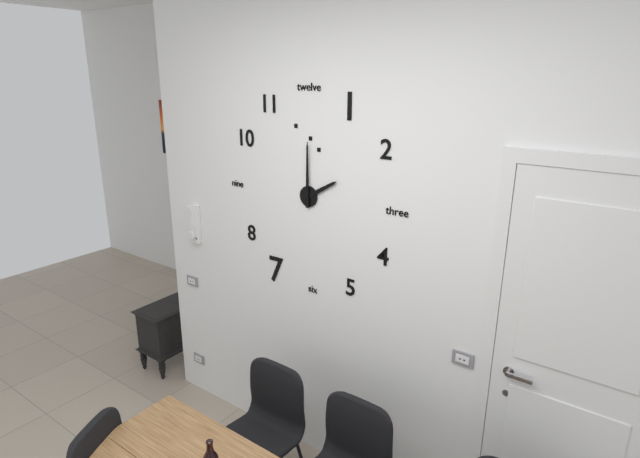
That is 2:00
